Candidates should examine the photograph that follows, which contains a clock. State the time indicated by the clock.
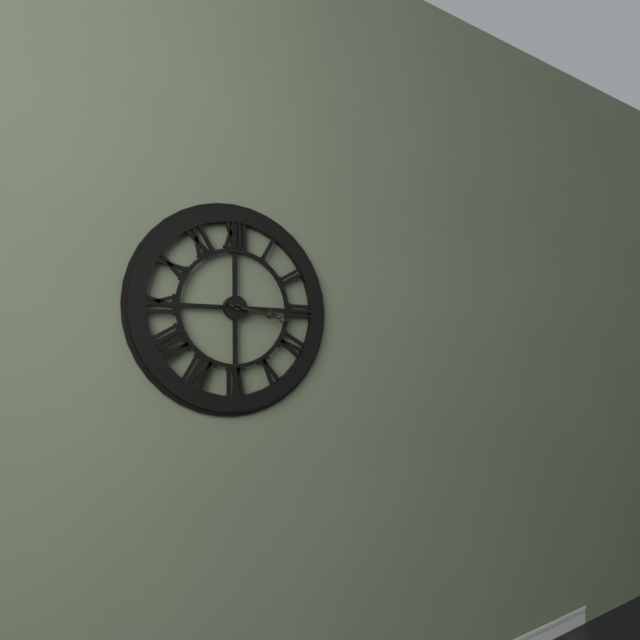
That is 3:17
